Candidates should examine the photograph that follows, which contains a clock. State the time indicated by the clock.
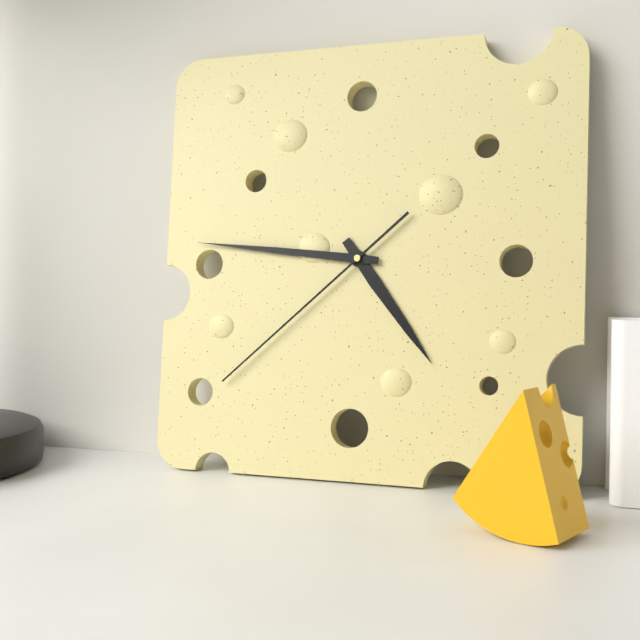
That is 4:46:38
